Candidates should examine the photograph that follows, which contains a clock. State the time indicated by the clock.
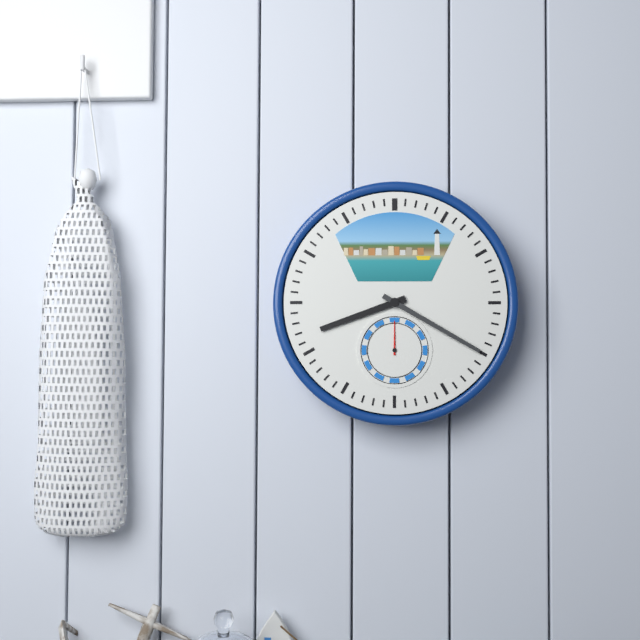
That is 8:20
